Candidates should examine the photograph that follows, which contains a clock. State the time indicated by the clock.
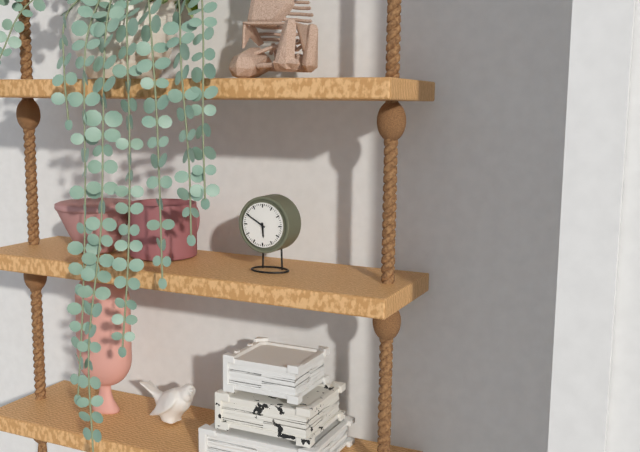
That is 5:50
